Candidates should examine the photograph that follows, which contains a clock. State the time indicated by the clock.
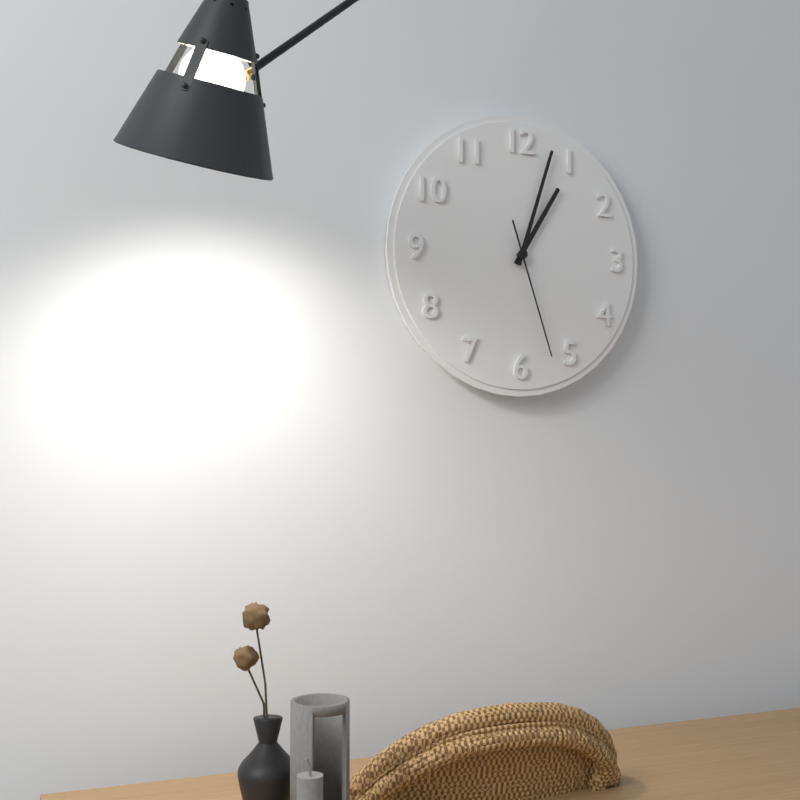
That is 1:03:27
